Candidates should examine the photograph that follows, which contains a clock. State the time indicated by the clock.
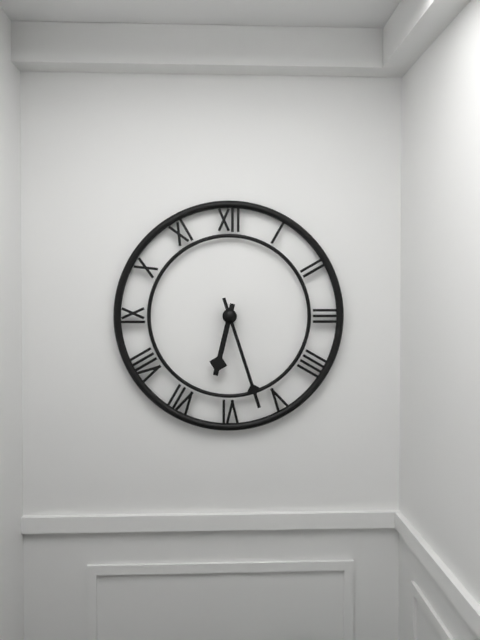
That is 6:27
